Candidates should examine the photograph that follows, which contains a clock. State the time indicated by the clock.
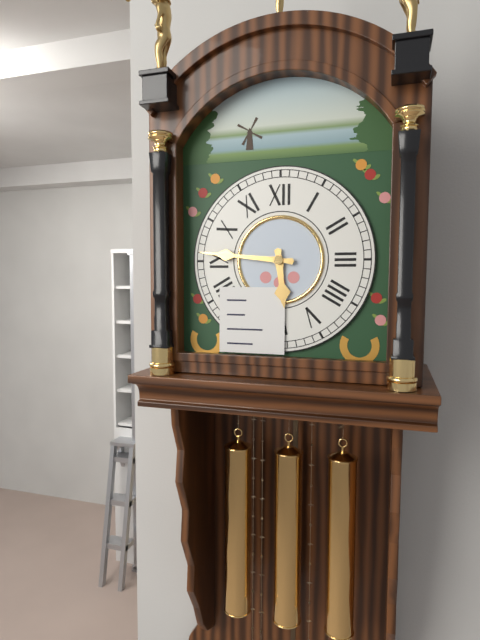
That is 5:46
